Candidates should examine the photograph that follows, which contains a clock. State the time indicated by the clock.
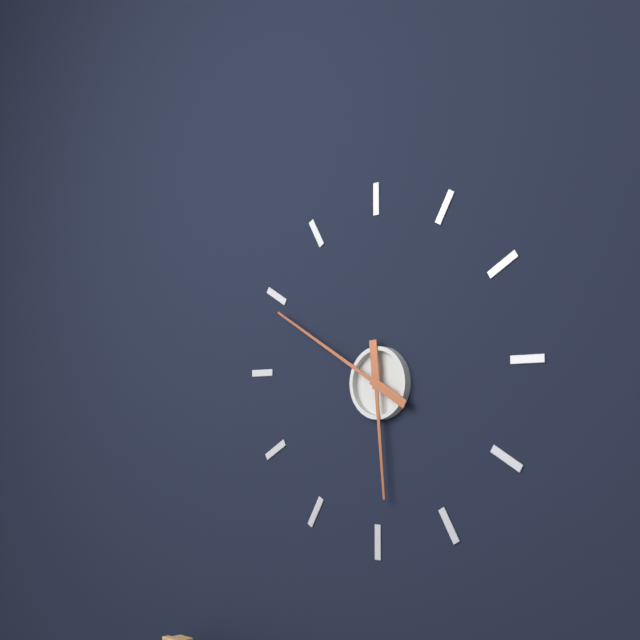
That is 5:50
